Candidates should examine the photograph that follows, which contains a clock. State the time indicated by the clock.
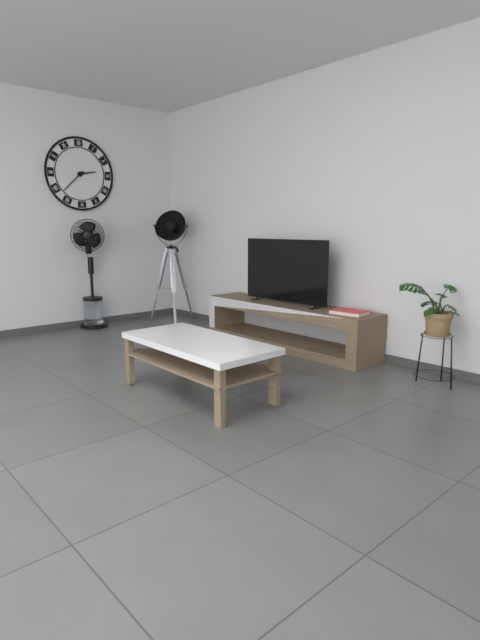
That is 2:38
